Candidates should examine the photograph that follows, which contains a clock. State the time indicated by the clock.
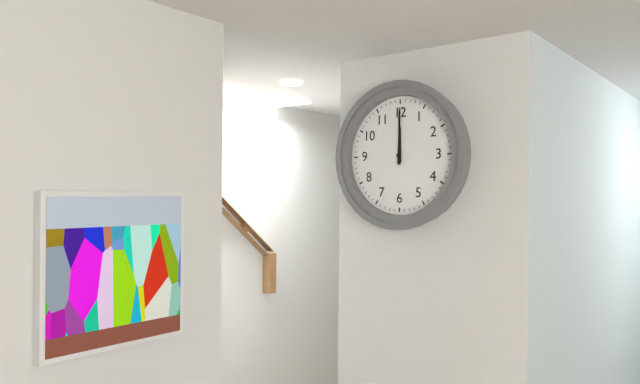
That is 12:00
